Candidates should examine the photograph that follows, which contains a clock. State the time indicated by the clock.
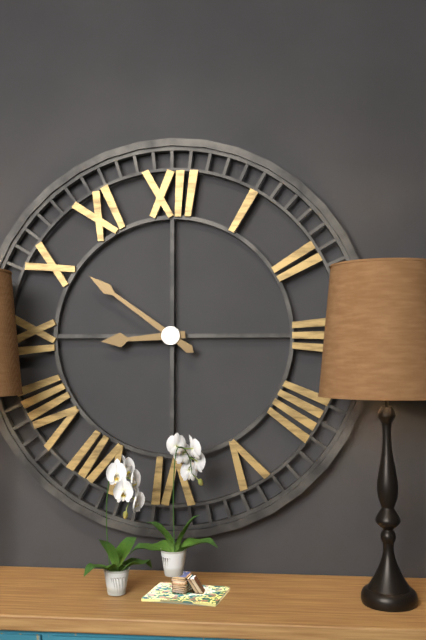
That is 8:51
